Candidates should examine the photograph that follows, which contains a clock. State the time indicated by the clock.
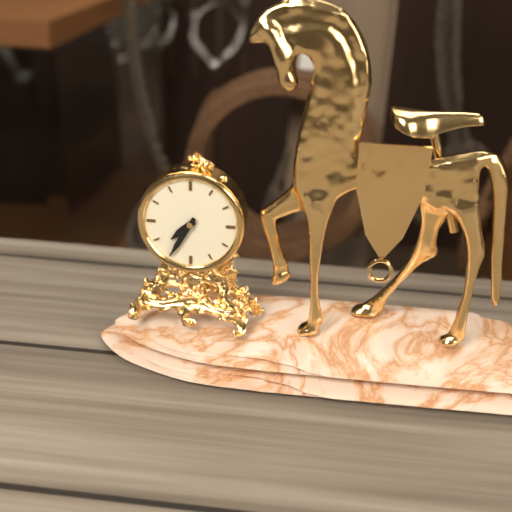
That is 7:35
